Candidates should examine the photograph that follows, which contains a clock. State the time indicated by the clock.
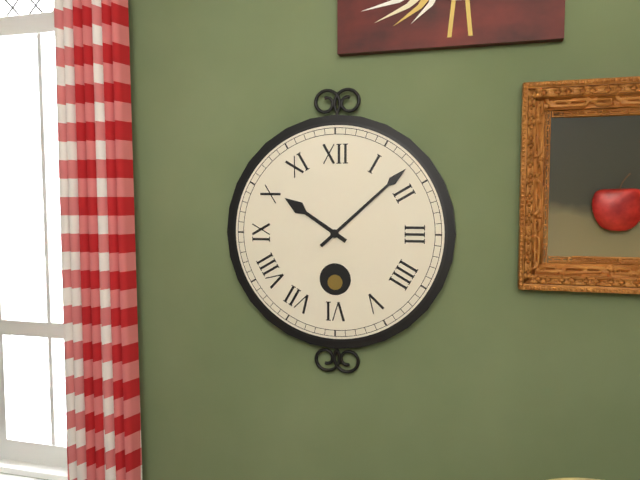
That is 10:08
